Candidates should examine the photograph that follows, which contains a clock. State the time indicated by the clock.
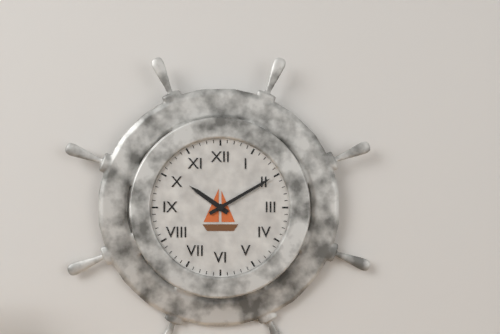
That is 10:10
